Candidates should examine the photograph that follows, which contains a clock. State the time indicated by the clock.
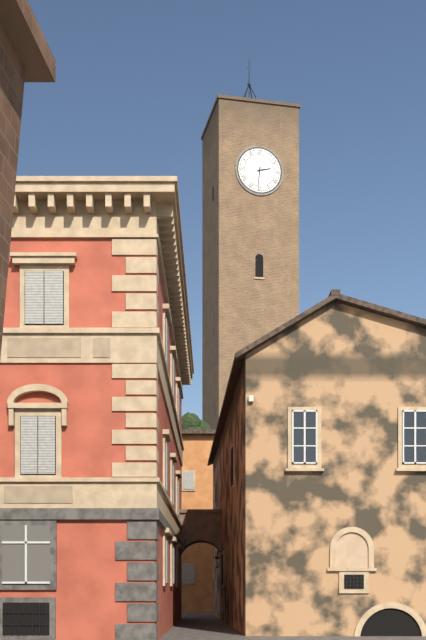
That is 2:31
